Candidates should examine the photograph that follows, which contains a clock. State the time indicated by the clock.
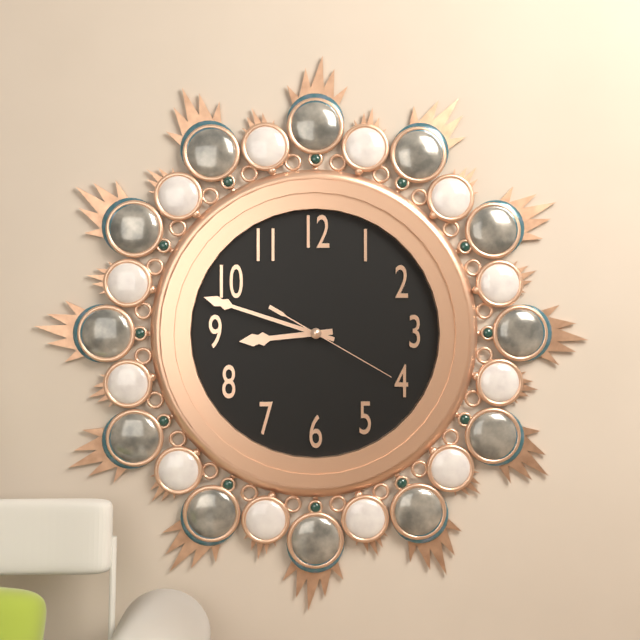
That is 8:48:20
